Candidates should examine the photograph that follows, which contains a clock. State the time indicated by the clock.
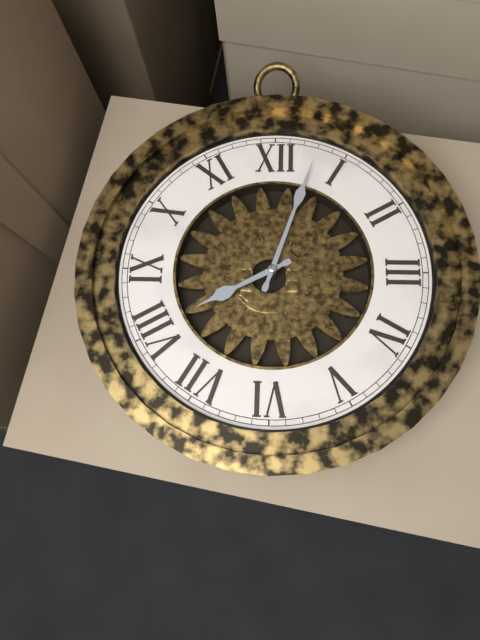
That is 8:03
